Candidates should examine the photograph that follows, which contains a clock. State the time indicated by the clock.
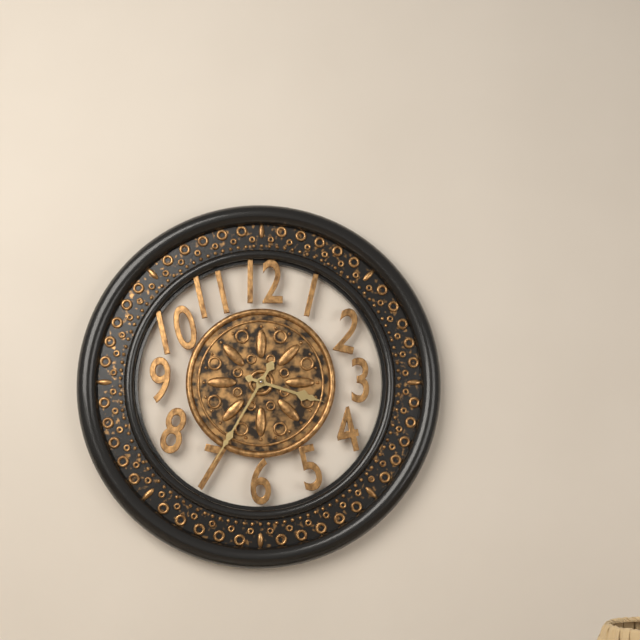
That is 3:35
